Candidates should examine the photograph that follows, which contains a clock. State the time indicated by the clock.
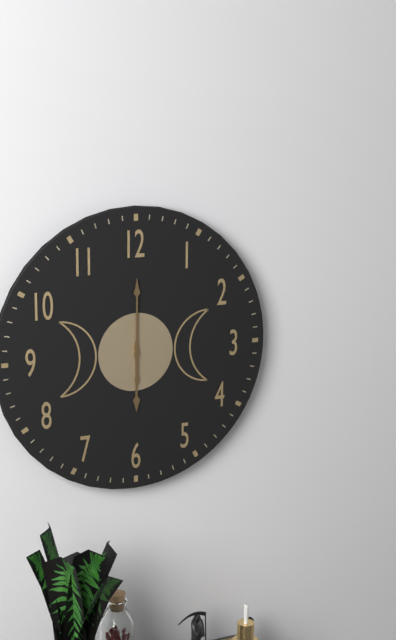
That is 6:00
